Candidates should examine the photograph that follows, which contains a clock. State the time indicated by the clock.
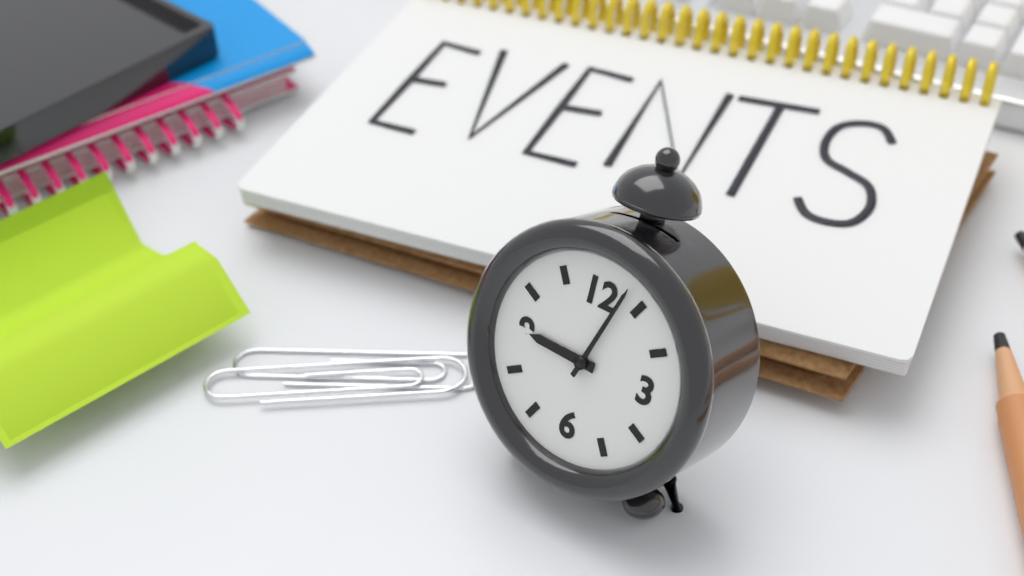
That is 9:03
